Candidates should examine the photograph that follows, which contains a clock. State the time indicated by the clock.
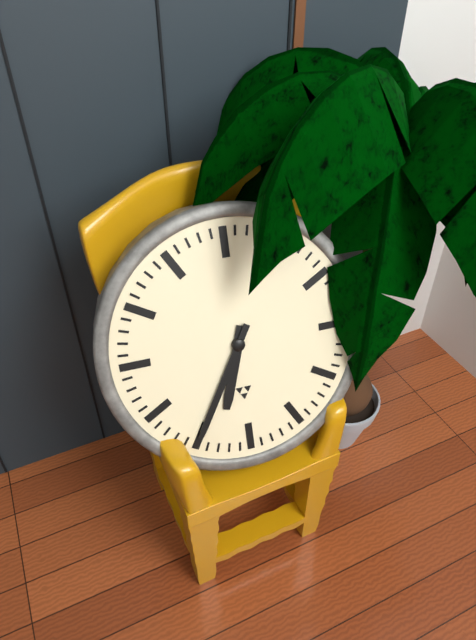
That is 6:35
